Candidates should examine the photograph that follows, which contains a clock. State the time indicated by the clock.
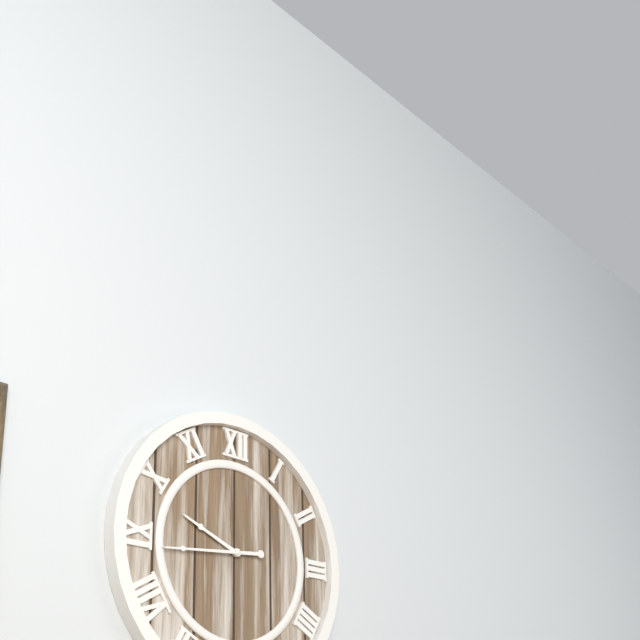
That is 9:44
